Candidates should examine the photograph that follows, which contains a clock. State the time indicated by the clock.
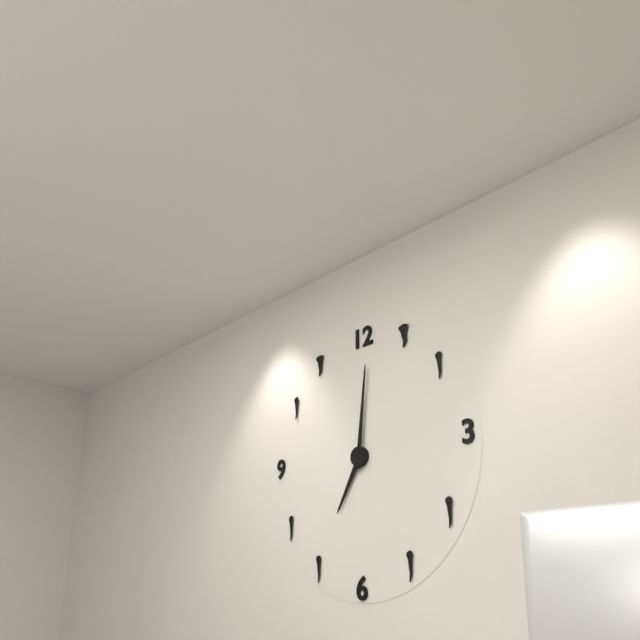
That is 7:01
